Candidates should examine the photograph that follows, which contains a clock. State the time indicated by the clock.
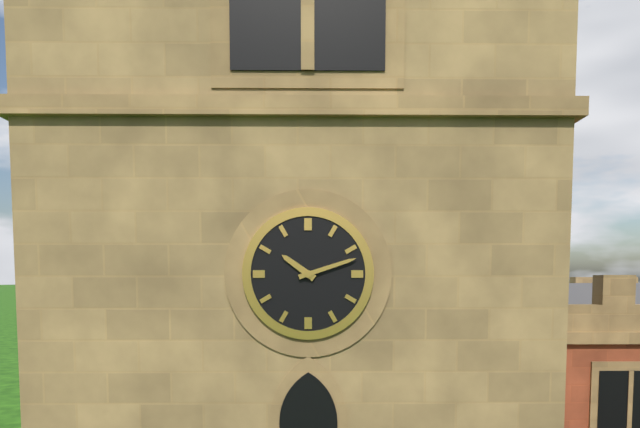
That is 10:12
